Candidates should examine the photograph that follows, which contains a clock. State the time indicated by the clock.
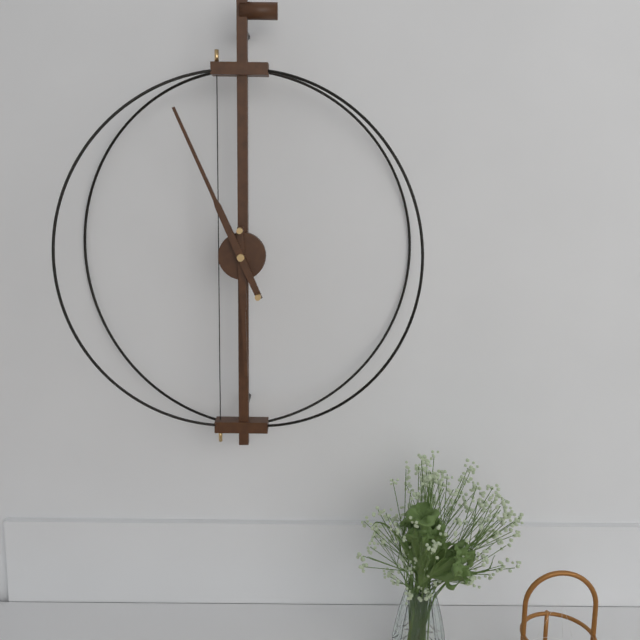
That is 5:56
